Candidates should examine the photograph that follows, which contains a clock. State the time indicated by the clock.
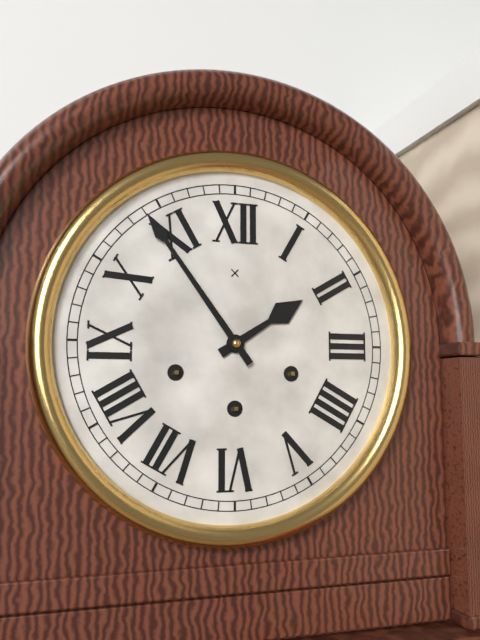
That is 1:54
